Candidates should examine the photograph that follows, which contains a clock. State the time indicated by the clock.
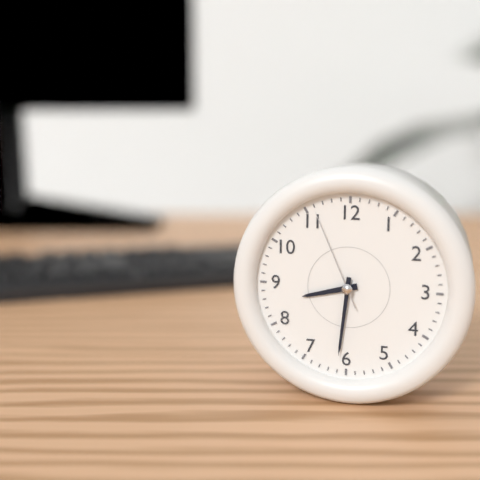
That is 8:31:56
